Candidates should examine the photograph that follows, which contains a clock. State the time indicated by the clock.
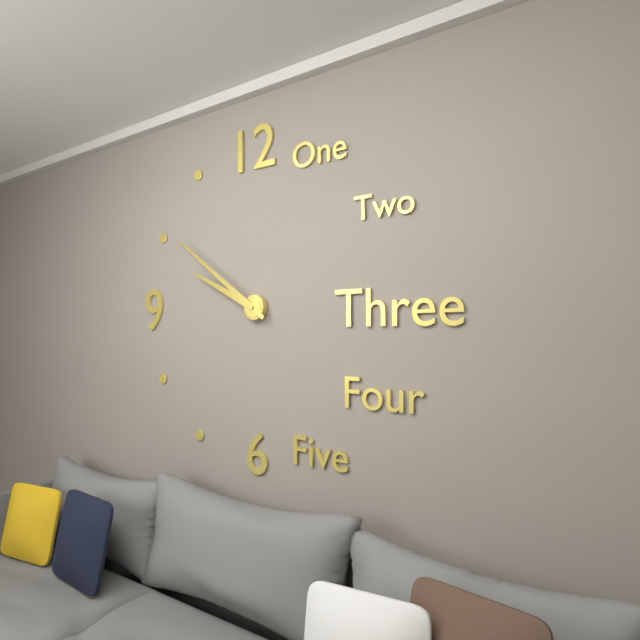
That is 9:51
